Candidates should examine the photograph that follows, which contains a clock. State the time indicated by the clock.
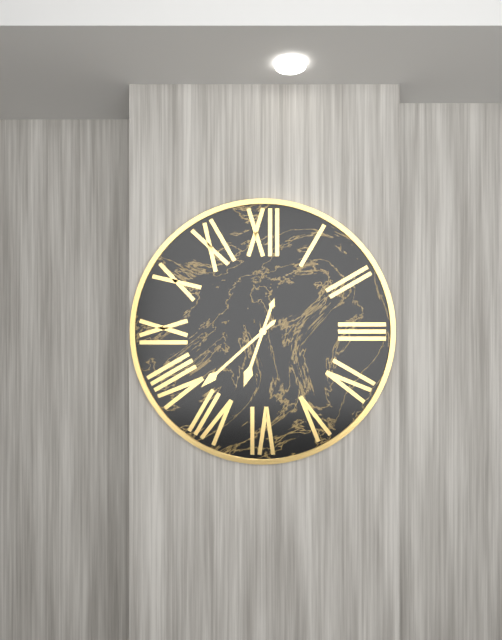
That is 6:38
